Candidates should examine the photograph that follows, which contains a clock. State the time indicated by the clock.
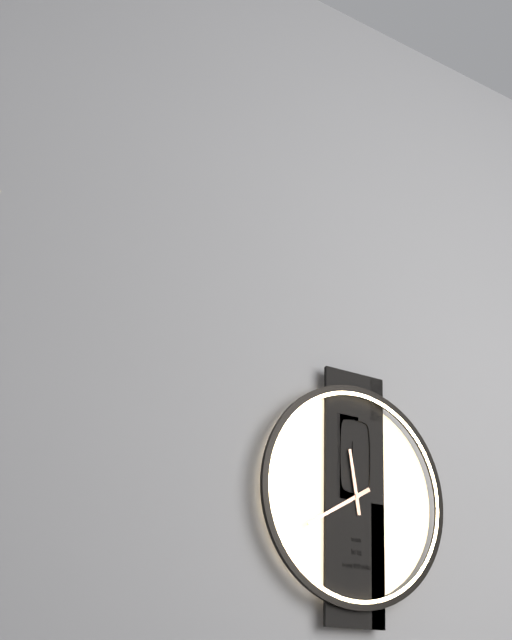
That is 11:40
